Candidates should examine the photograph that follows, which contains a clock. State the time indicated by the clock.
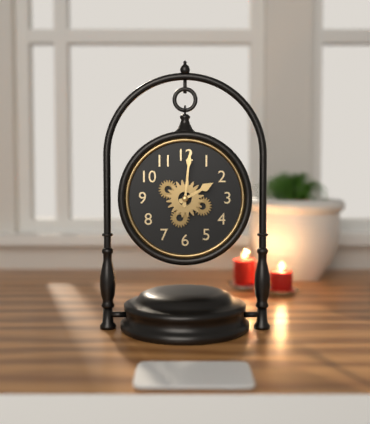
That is 2:01
